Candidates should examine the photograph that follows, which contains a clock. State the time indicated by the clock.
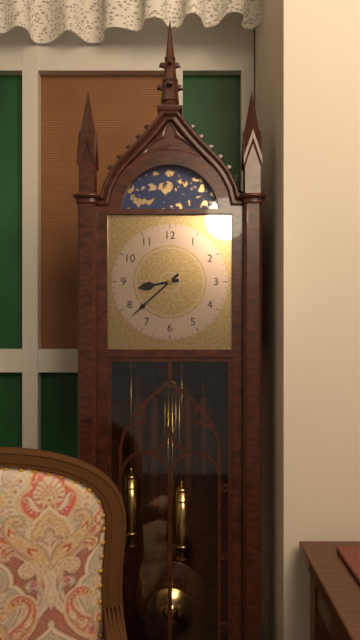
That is 8:38
